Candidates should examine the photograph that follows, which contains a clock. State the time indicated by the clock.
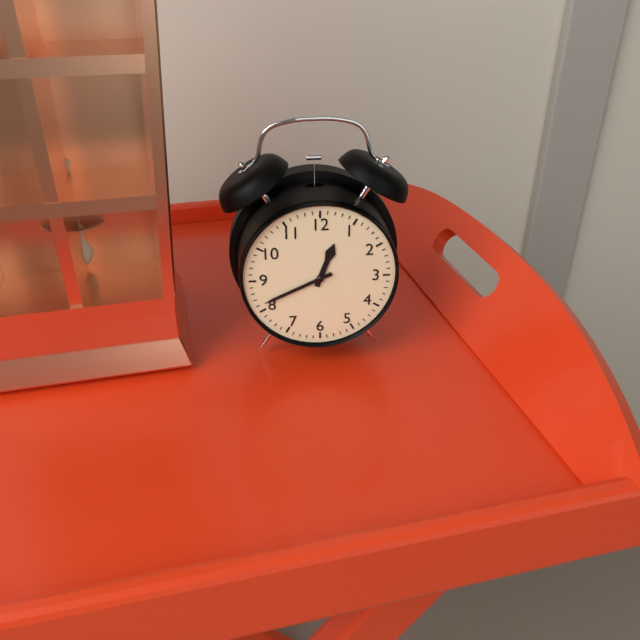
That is 12:41
